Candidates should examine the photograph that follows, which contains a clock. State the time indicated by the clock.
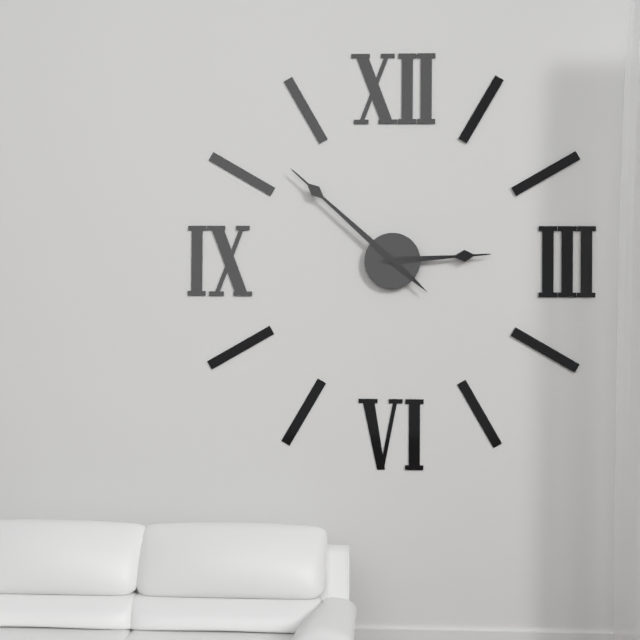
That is 2:52
